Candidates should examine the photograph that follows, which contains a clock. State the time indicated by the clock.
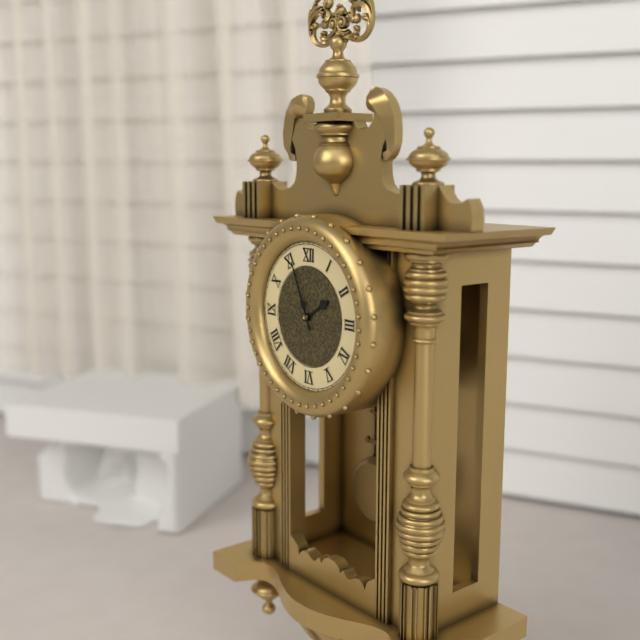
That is 1:56
